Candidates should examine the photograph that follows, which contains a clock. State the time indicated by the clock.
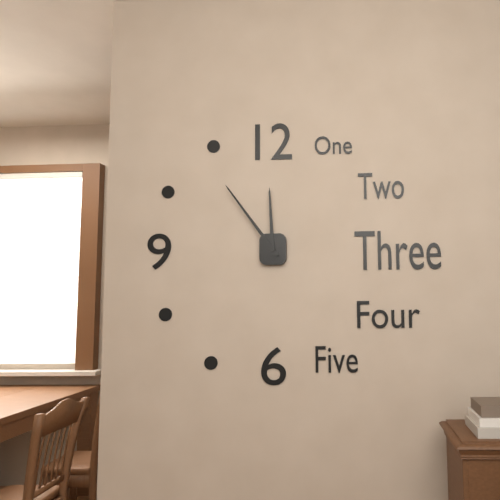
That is 11:54
